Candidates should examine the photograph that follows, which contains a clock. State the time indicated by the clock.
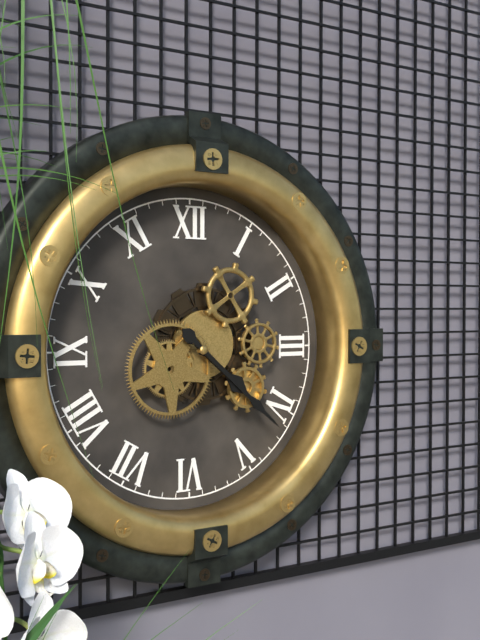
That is 4:22
